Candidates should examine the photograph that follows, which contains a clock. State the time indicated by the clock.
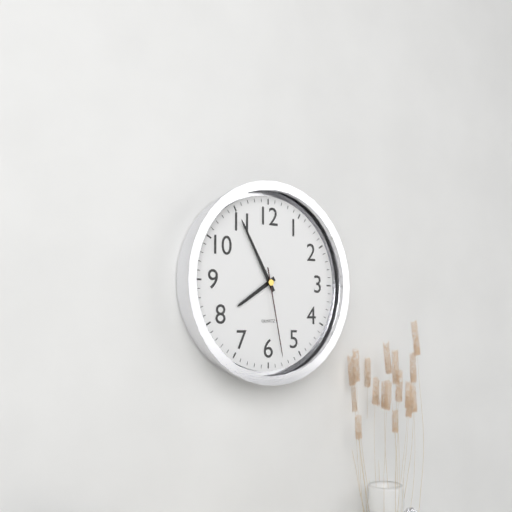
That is 7:55:28
